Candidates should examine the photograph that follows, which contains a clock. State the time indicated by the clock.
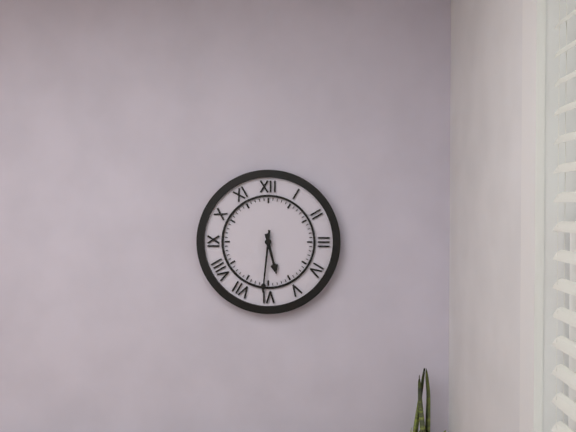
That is 5:31
